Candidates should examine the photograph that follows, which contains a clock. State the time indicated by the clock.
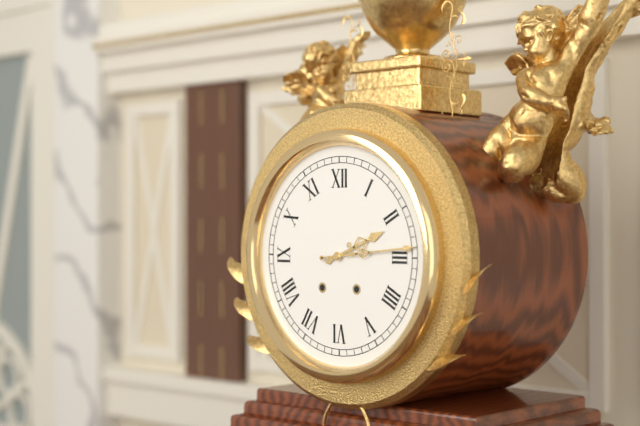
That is 2:14
